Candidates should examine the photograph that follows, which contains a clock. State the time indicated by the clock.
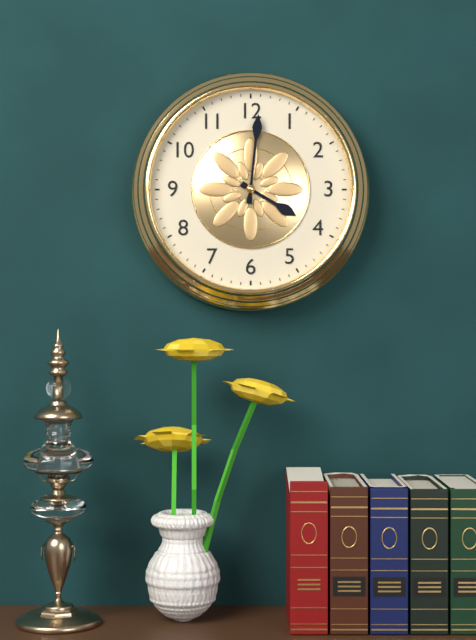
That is 4:01
